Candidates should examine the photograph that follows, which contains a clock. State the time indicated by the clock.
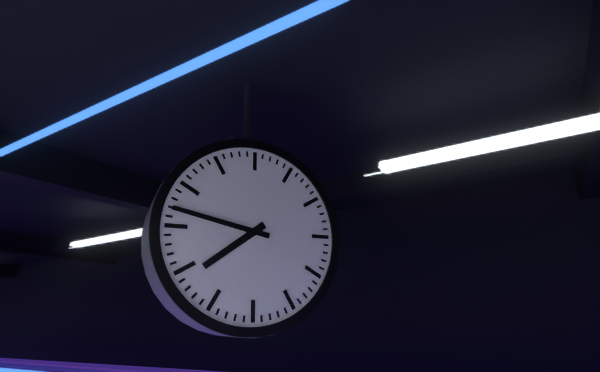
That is 7:47
